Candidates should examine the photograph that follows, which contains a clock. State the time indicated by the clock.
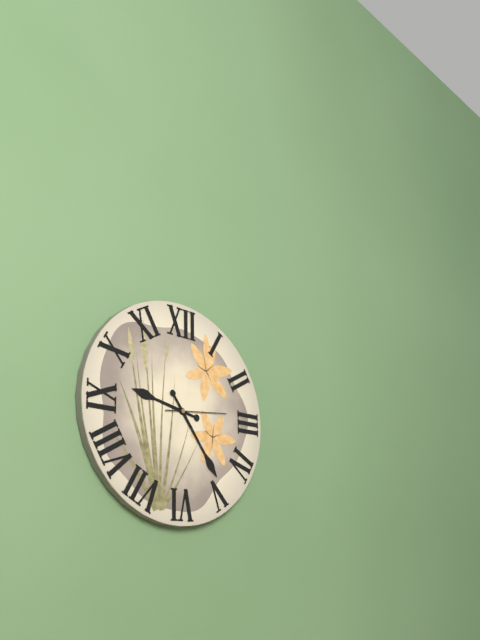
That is 9:24:14
